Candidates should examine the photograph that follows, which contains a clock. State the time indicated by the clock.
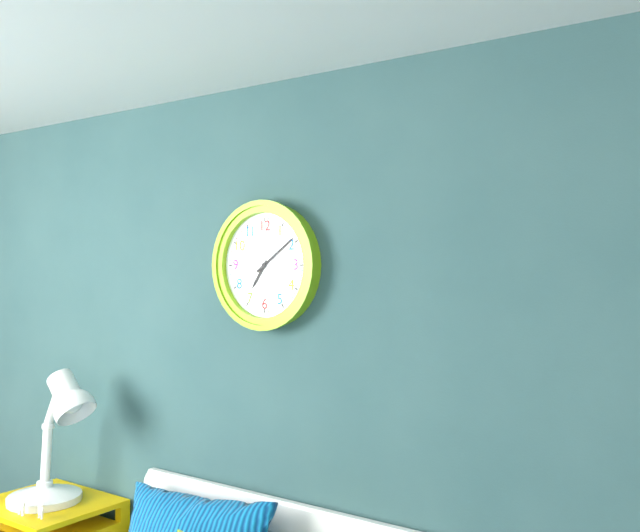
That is 7:09
